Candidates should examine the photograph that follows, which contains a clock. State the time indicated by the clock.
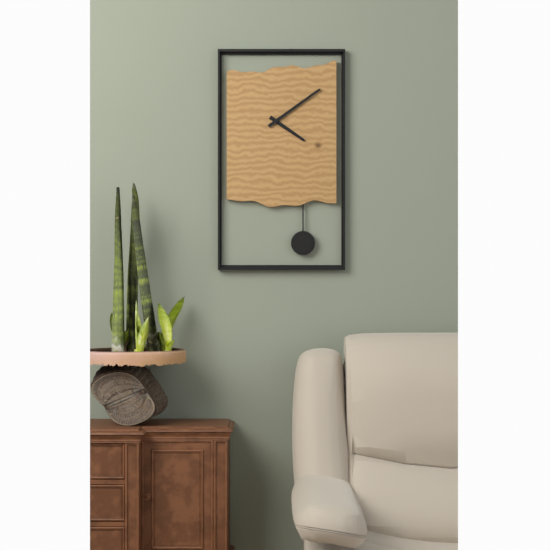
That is 4:09
